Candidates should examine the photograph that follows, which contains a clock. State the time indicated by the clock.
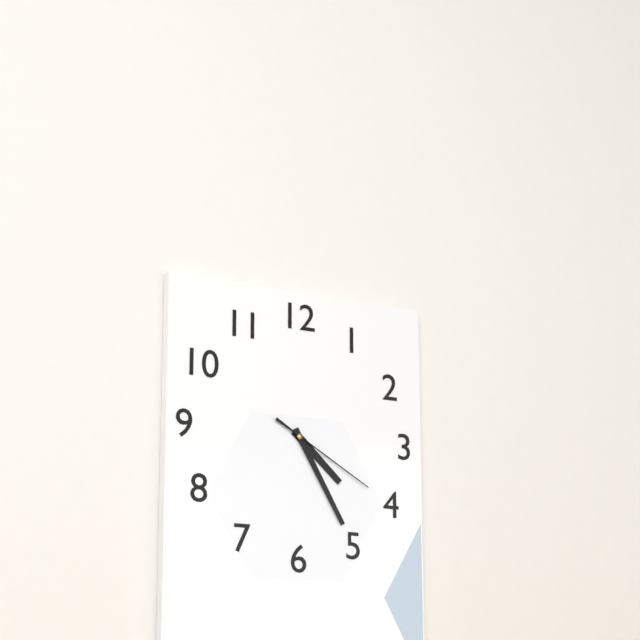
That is 4:25:20
